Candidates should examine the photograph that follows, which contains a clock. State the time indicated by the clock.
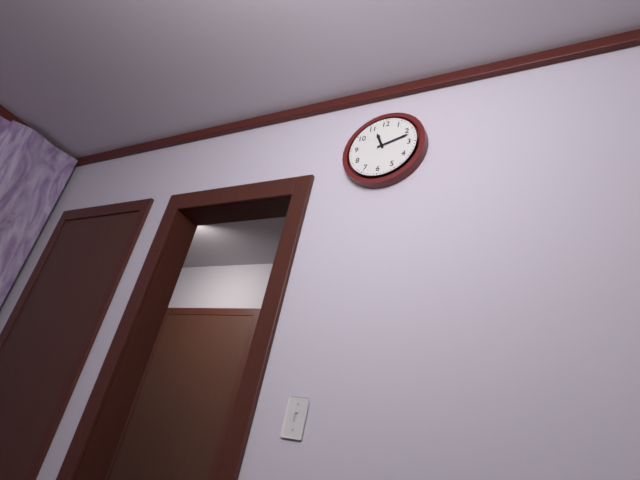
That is 11:12
